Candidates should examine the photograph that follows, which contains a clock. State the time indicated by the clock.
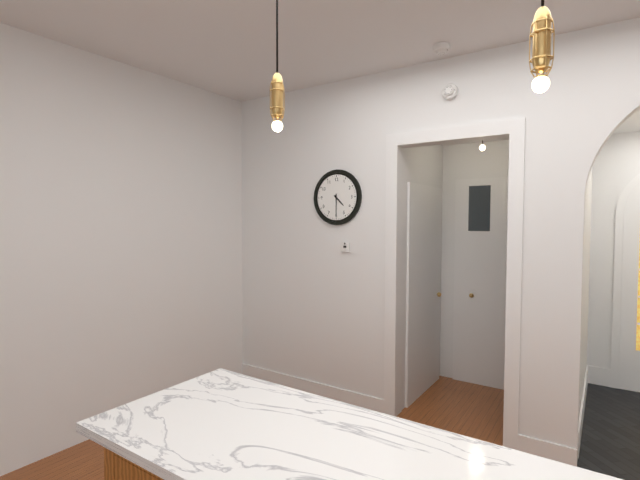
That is 4:30
